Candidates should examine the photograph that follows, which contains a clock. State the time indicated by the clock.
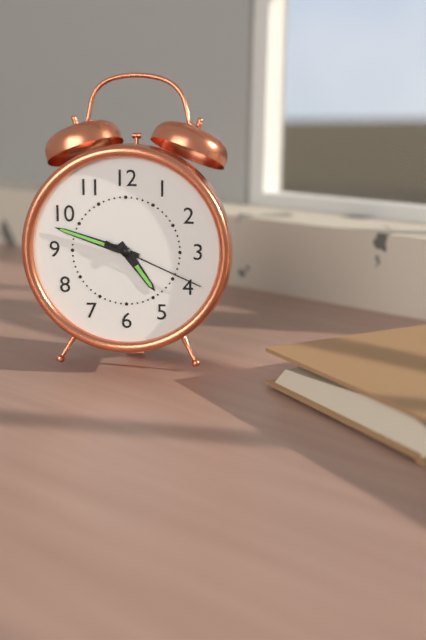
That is 4:48:19
